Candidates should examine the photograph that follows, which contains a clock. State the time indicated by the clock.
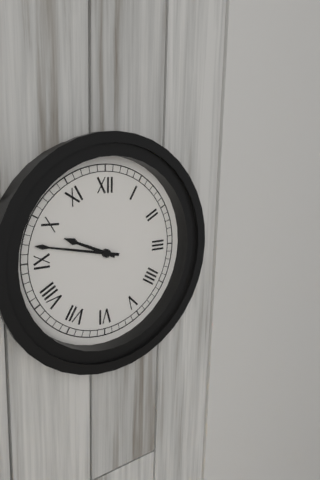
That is 9:47
